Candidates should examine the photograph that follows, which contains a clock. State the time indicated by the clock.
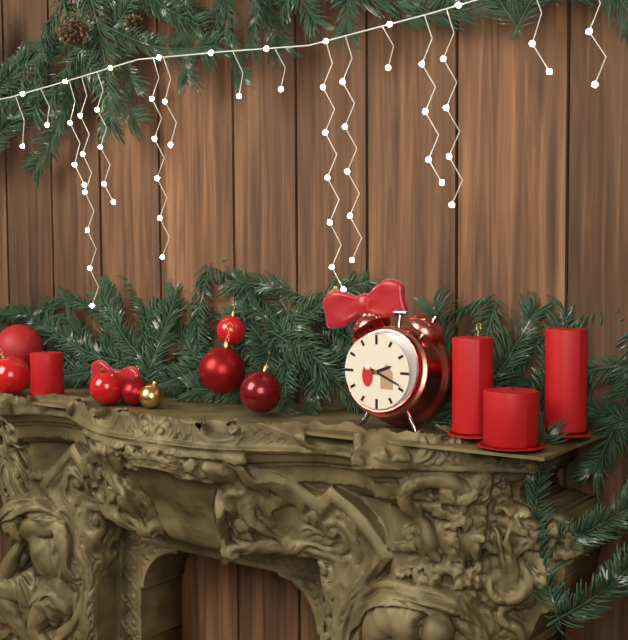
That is 2:19
